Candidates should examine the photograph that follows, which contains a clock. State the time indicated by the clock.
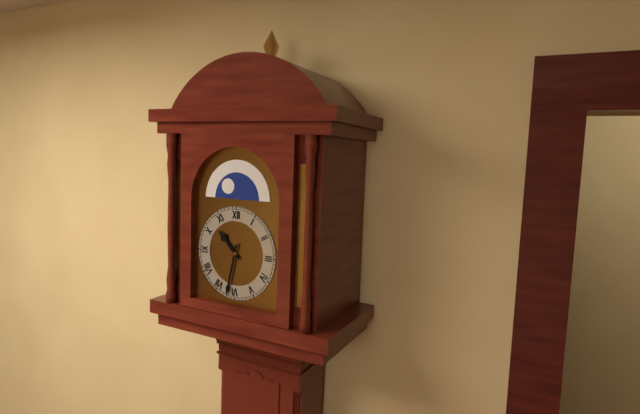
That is 10:32
